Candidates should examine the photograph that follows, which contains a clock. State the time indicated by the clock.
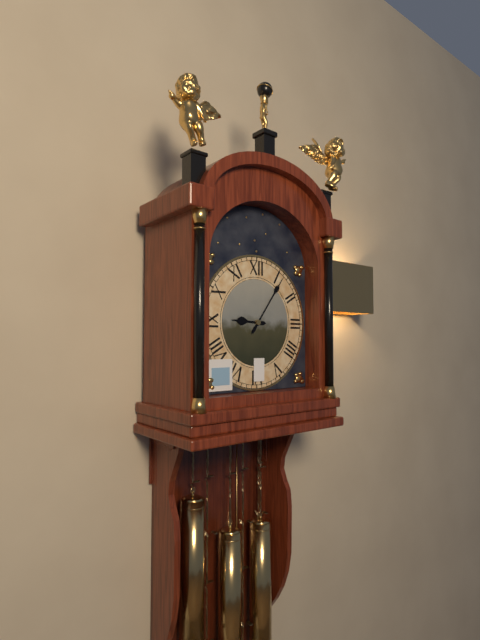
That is 9:06
